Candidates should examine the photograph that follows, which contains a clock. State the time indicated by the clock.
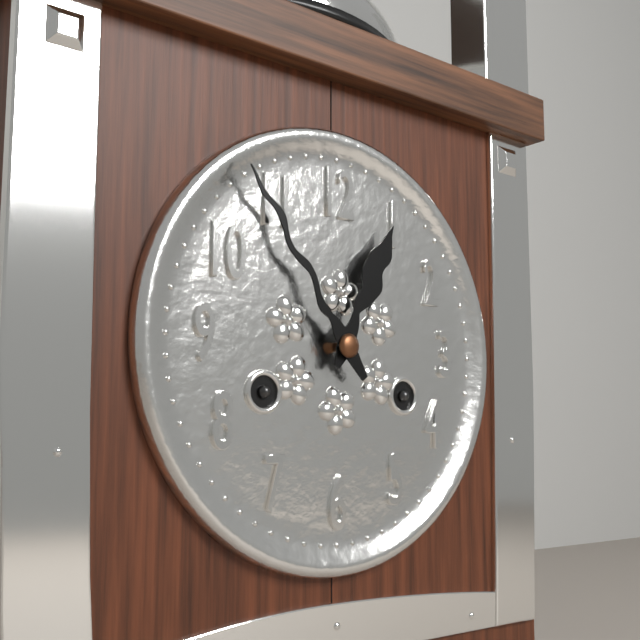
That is 12:54
